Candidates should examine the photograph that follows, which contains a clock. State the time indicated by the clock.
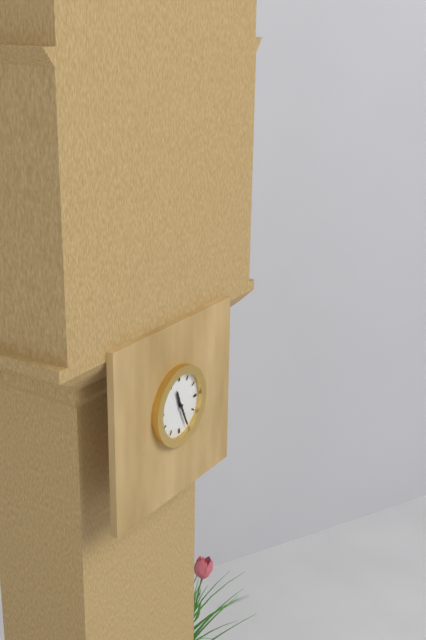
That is 11:26
